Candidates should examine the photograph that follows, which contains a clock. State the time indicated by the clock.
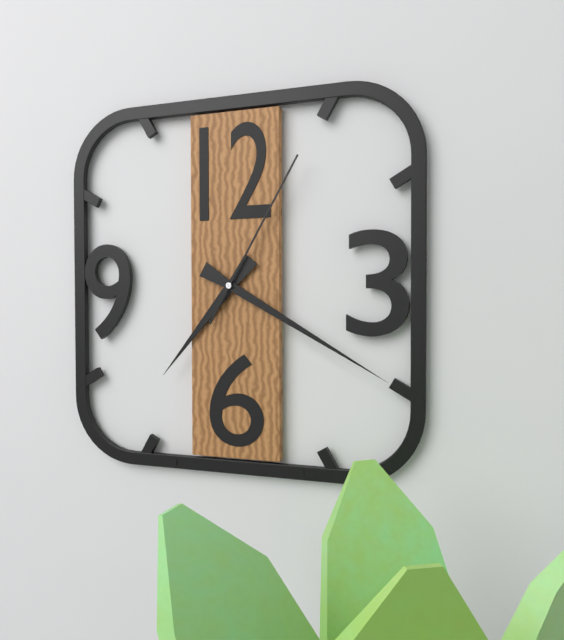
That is 7:20:05
